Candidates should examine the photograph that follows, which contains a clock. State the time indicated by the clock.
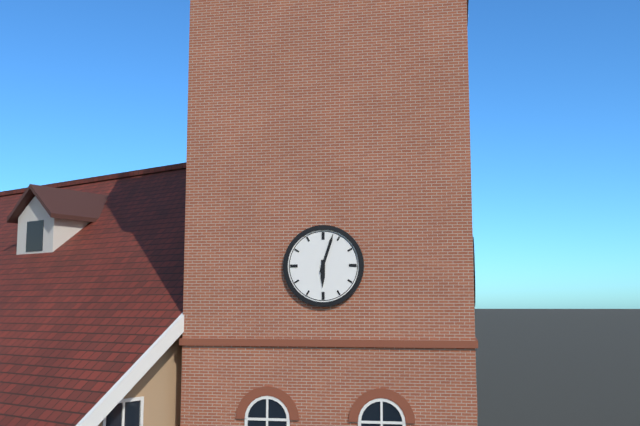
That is 6:03
